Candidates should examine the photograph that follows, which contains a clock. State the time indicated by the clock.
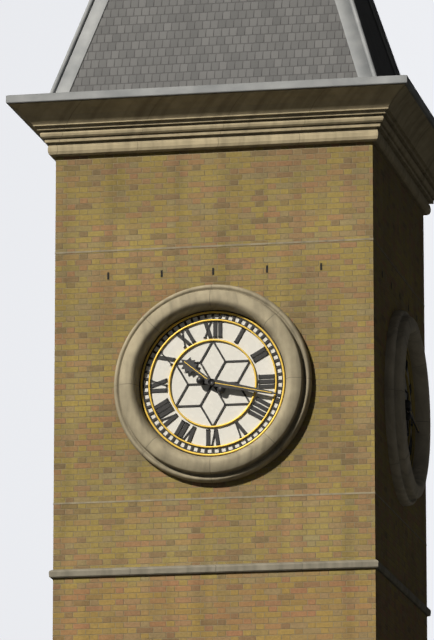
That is 10:17
